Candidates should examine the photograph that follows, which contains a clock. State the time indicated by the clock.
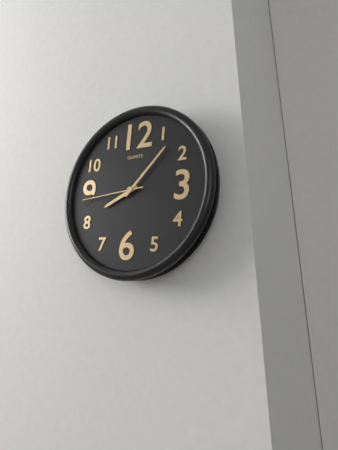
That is 8:07:44
